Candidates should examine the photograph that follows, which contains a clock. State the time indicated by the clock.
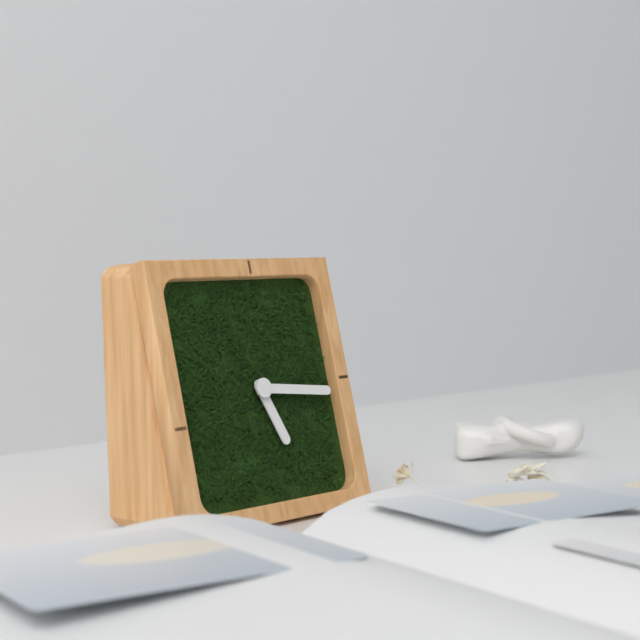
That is 5:16
